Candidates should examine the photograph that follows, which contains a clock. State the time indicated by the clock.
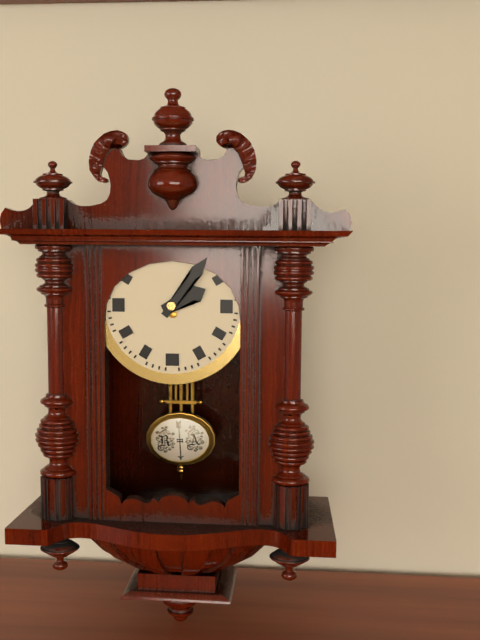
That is 2:06
